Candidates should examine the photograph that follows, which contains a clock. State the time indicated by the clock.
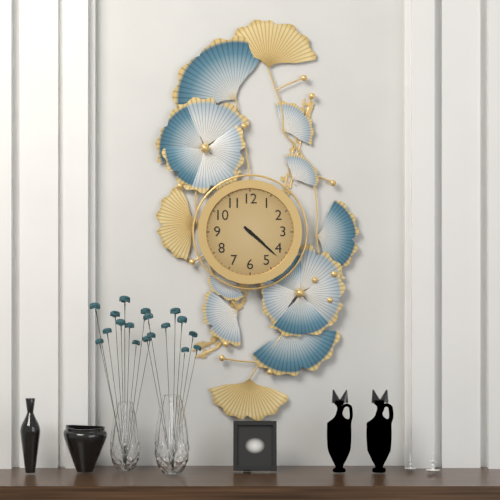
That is 4:22
